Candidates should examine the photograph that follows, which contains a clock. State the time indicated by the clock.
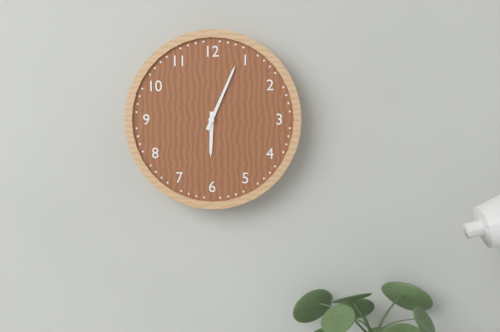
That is 6:04
